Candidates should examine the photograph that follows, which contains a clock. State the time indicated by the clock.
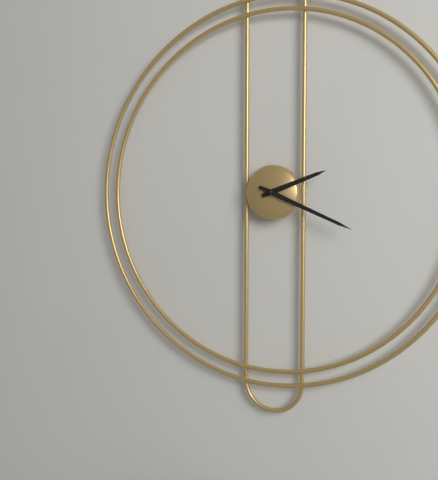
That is 2:19
